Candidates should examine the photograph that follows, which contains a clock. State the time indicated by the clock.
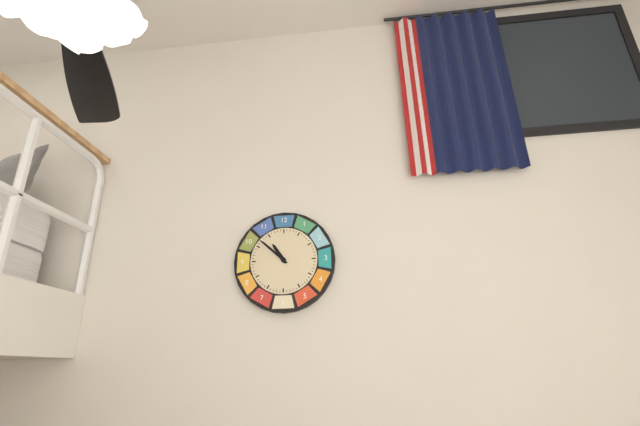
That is 10:52
